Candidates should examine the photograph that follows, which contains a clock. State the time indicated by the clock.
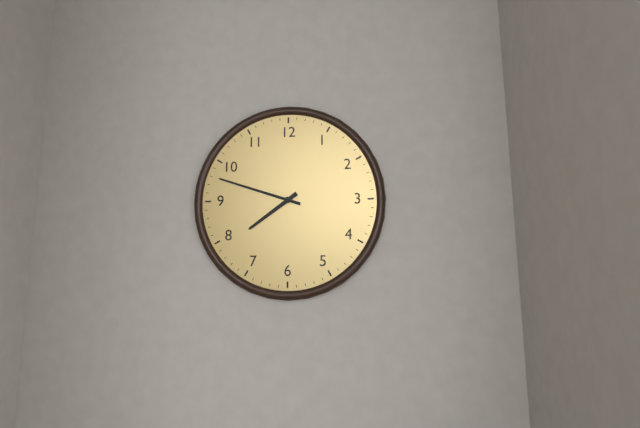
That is 7:48
